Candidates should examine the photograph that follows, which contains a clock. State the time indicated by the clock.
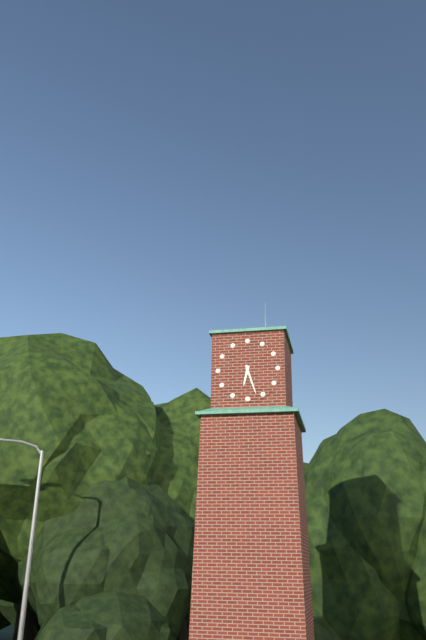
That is 6:27
